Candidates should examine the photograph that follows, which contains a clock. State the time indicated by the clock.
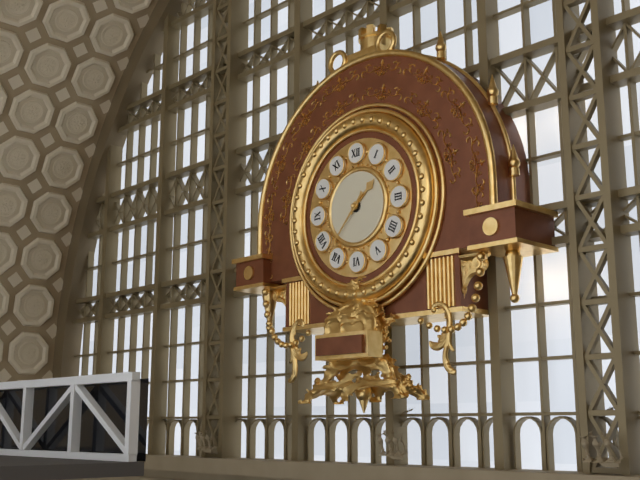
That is 1:37
